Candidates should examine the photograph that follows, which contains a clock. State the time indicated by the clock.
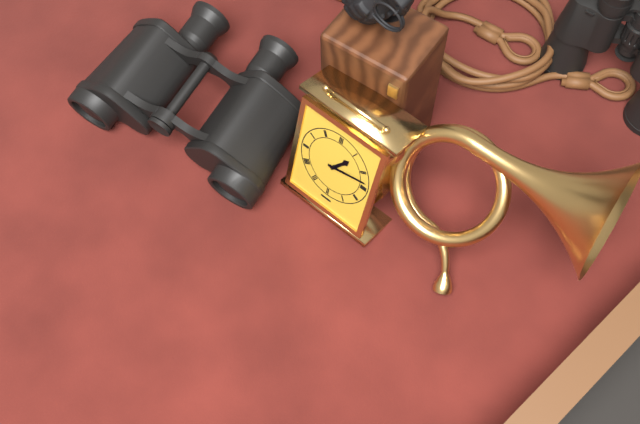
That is 1:13
